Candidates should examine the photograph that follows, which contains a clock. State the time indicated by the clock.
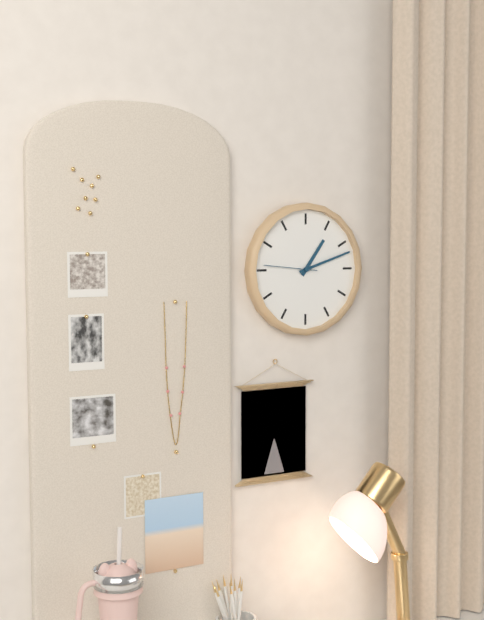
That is 1:12
